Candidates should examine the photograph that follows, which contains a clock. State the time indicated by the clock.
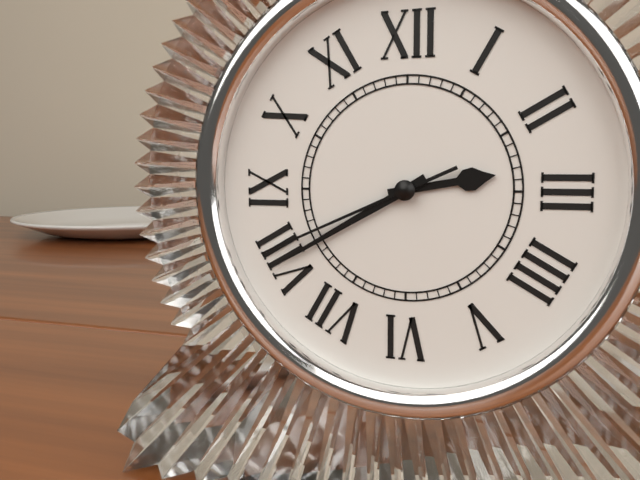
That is 2:40:41
